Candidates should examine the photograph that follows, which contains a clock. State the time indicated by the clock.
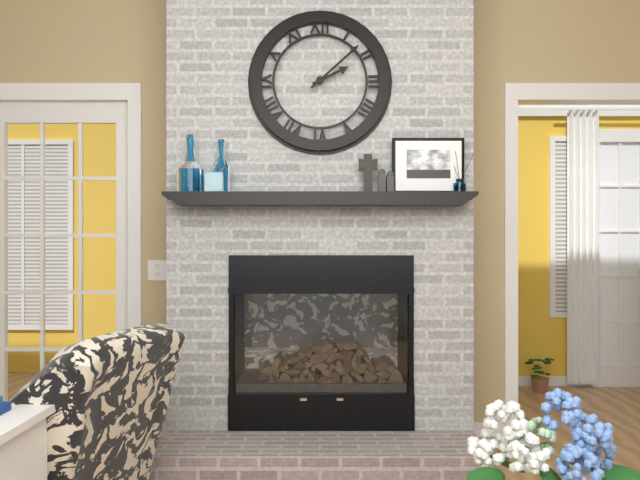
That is 2:08
